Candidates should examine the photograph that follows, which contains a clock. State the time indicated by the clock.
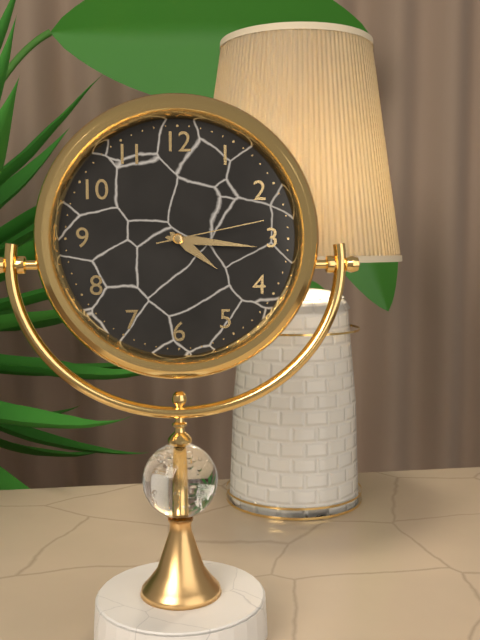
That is 4:16:13
